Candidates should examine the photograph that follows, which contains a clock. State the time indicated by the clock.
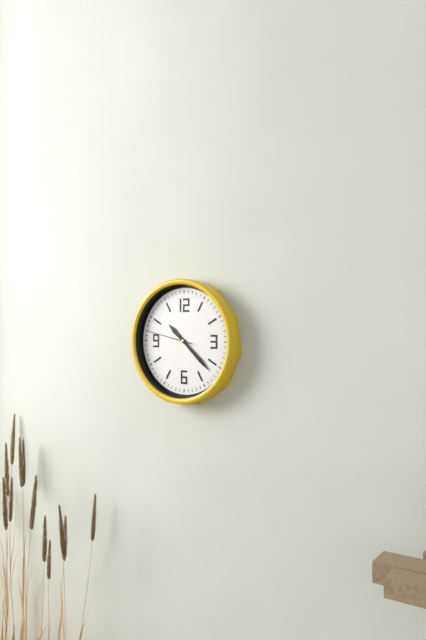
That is 10:22:47
